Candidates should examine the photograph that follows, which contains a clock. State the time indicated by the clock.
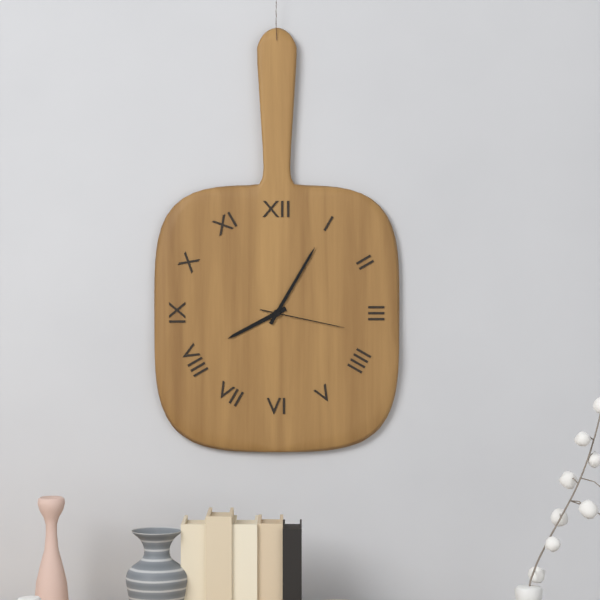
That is 8:05:17
